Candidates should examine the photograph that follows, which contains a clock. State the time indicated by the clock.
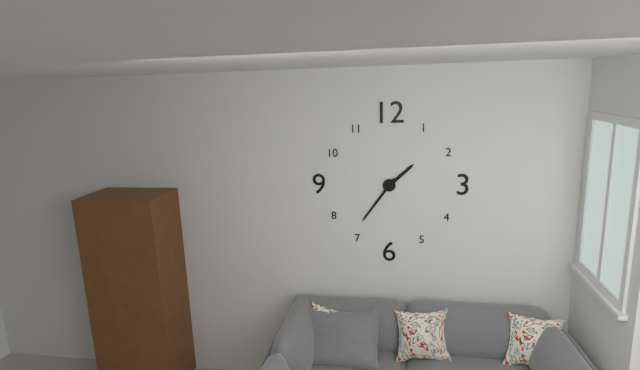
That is 1:36
